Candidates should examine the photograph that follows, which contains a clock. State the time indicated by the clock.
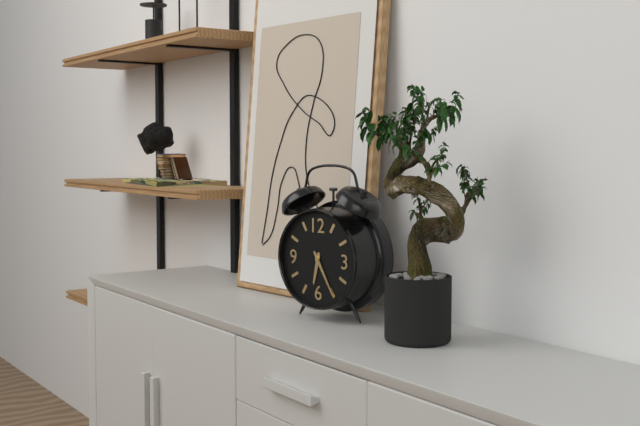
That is 6:25
